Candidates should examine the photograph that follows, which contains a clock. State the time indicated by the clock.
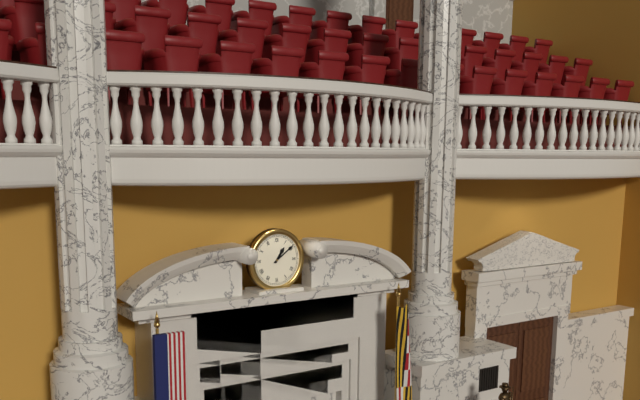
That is 1:09
